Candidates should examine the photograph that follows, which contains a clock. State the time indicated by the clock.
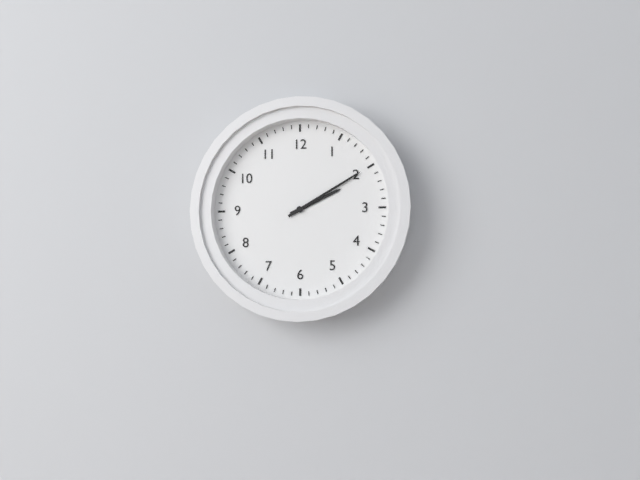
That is 2:10
